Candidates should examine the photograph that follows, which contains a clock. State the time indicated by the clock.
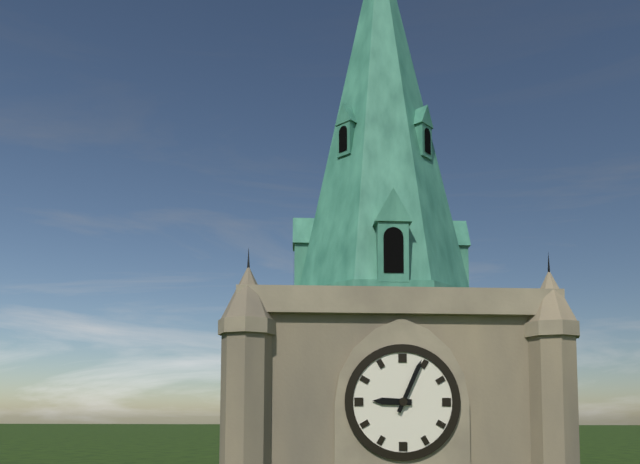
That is 9:04
